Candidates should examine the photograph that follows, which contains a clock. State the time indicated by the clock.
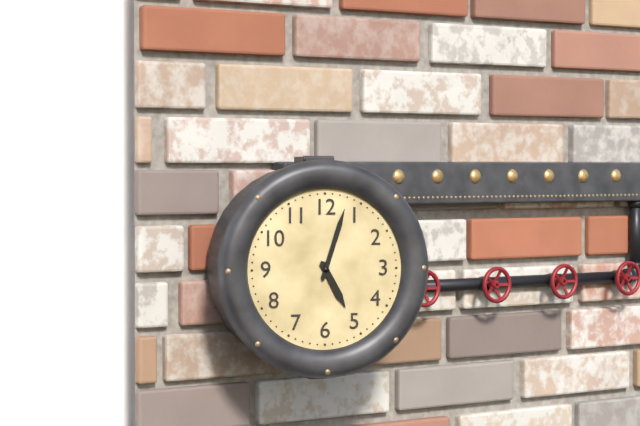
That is 5:03
